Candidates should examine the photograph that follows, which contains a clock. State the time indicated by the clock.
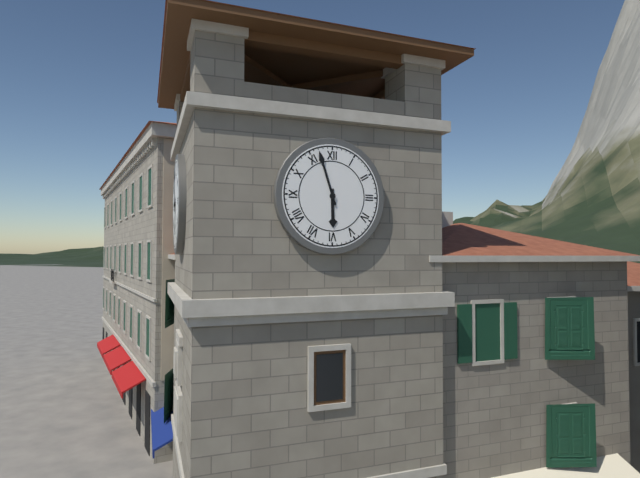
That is 5:57
